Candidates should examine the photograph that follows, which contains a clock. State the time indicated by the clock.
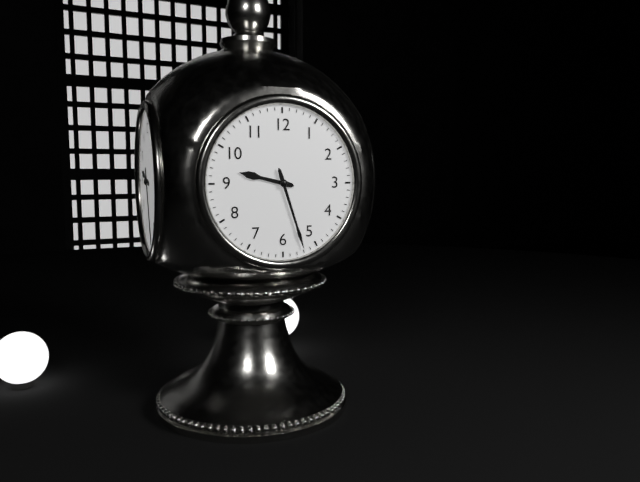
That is 9:27
